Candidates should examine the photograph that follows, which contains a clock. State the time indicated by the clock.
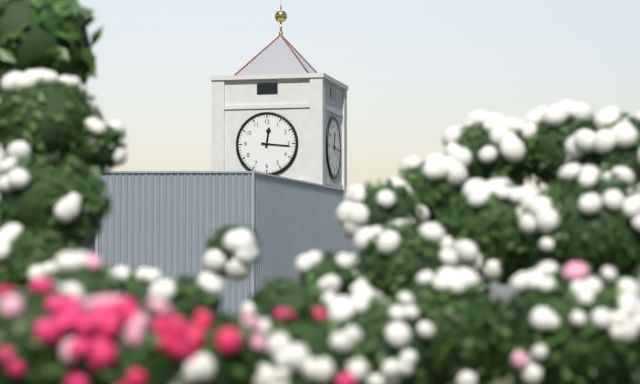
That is 12:16
